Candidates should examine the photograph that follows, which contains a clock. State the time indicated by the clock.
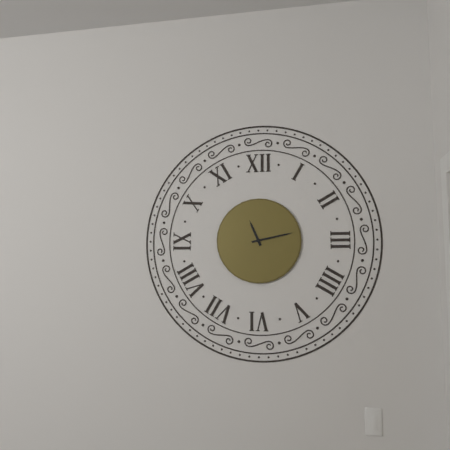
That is 11:13
